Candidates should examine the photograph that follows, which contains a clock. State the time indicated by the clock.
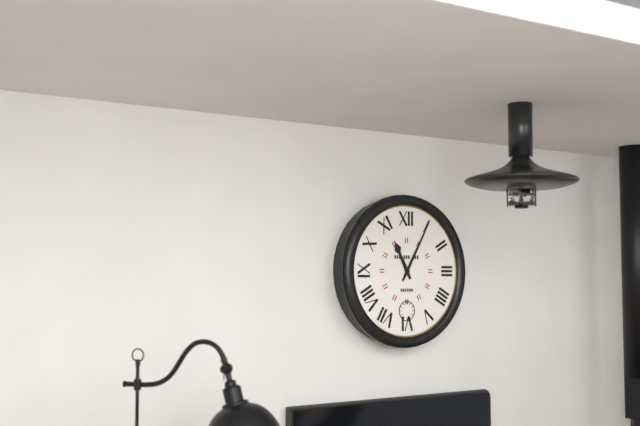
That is 11:05
